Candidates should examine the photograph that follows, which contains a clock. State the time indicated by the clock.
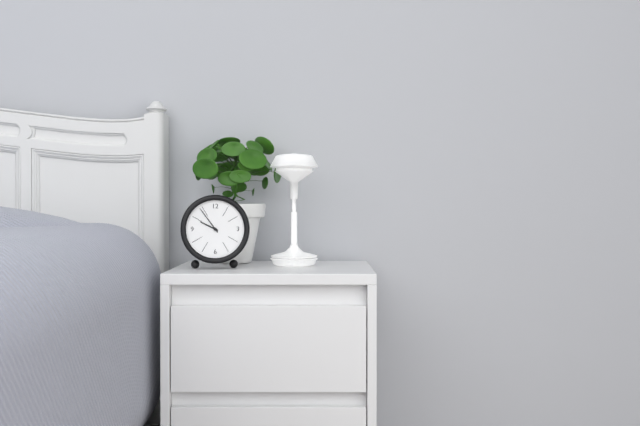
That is 9:54
